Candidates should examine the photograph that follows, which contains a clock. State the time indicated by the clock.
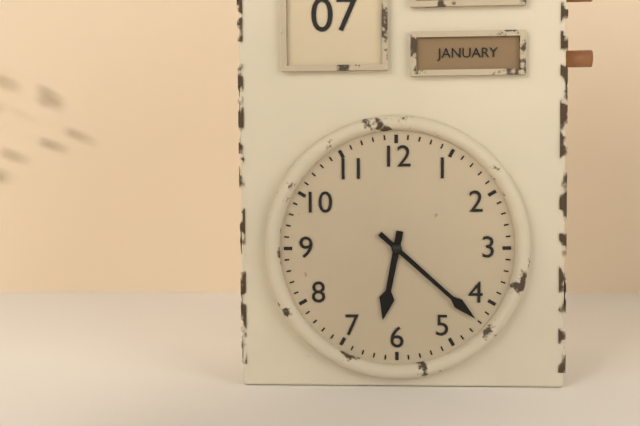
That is 6:22
